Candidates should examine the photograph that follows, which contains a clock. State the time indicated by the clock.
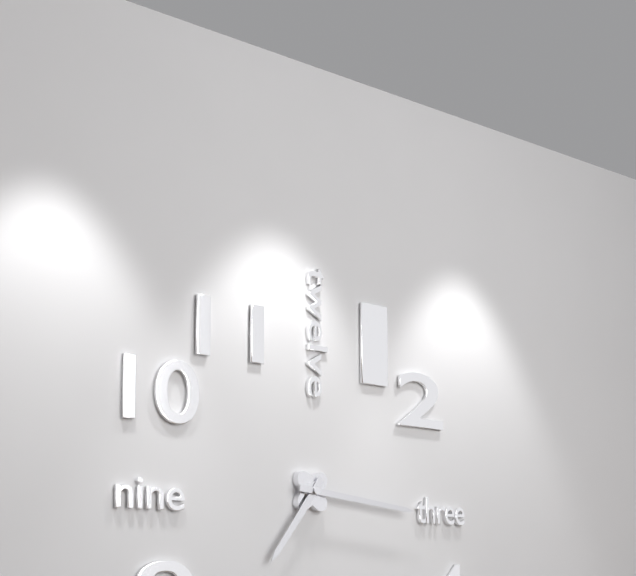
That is 7:16
